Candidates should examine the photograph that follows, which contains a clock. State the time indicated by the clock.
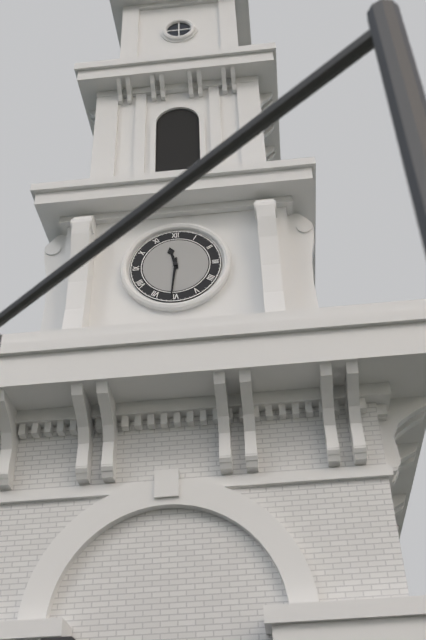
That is 11:31
